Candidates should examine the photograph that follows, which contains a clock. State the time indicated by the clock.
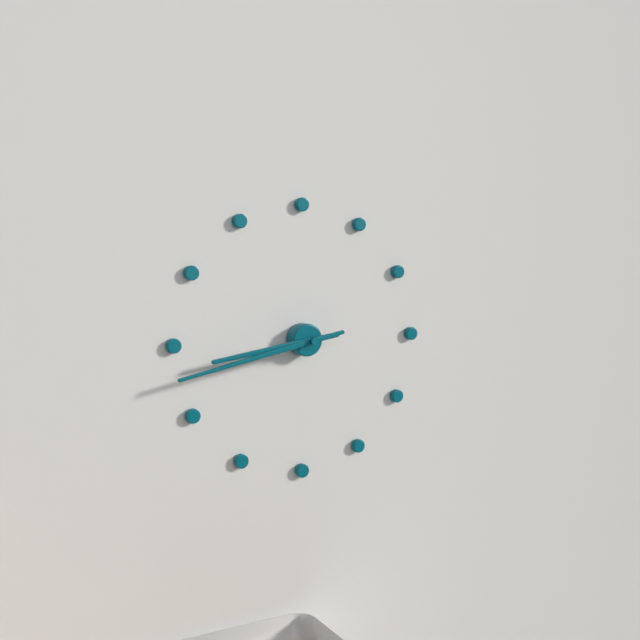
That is 8:43
